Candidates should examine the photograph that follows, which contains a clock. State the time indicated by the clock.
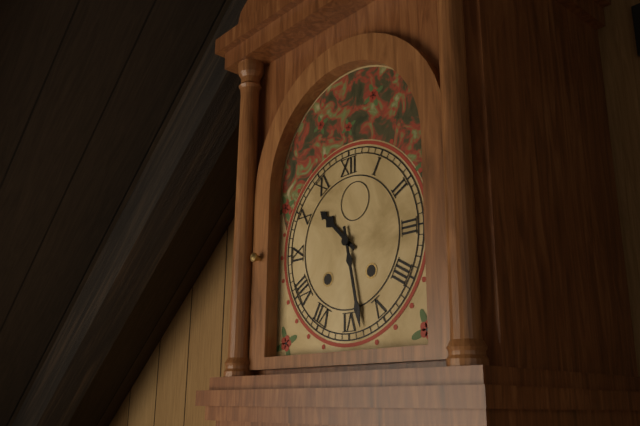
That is 10:28
